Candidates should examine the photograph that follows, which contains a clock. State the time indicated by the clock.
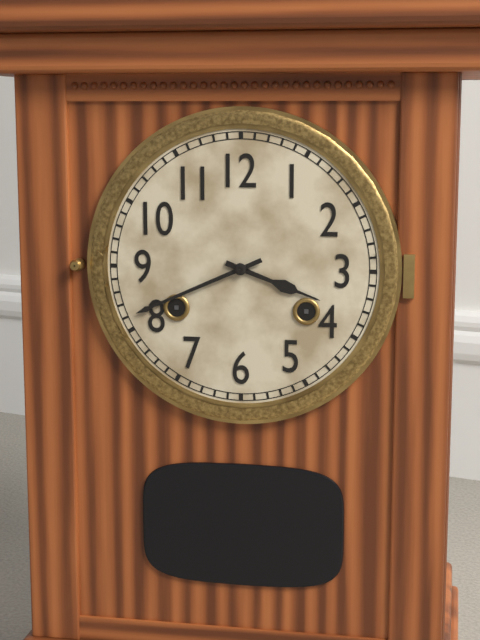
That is 3:41
